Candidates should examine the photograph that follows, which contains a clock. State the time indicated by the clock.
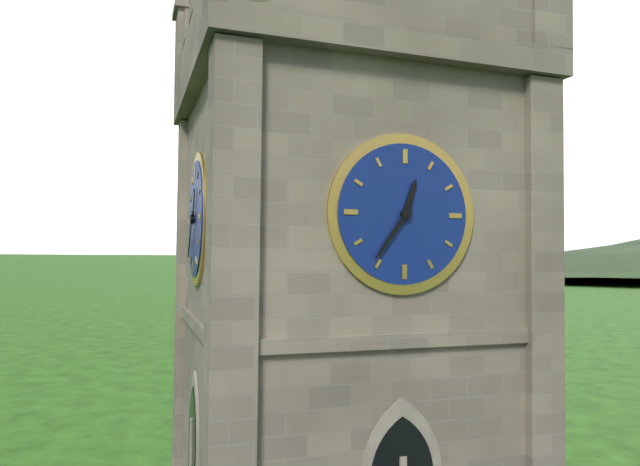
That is 12:36
